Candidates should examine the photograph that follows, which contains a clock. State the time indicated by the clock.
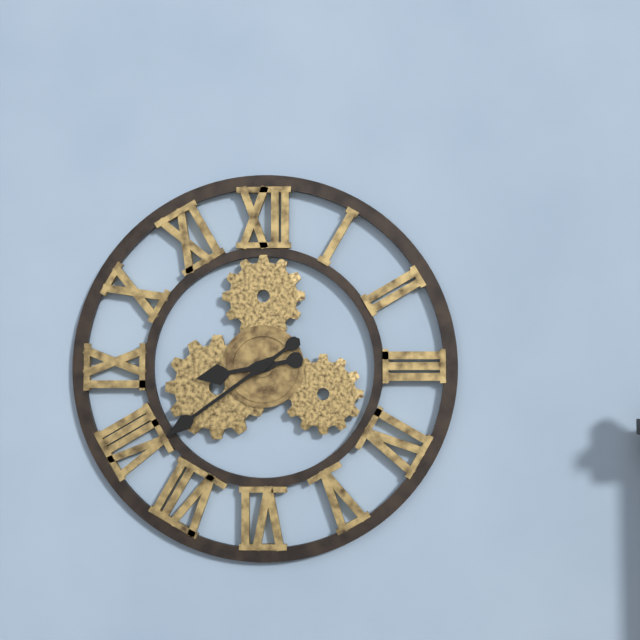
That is 8:39
